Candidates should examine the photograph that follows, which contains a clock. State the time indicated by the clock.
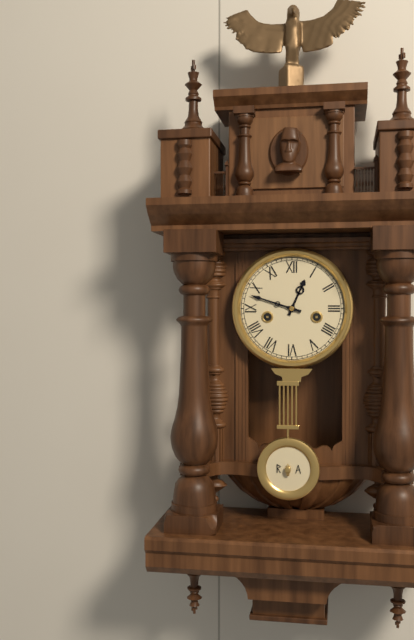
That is 12:48
